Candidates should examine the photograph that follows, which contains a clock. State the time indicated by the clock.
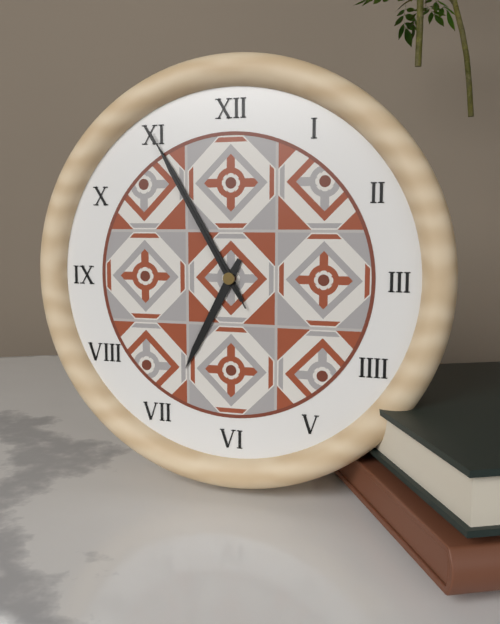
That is 6:55:55
